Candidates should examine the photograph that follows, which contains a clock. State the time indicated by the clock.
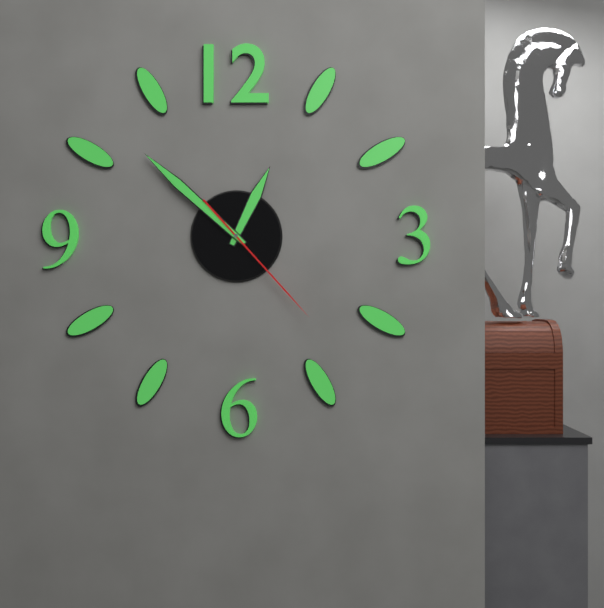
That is 12:52:23
